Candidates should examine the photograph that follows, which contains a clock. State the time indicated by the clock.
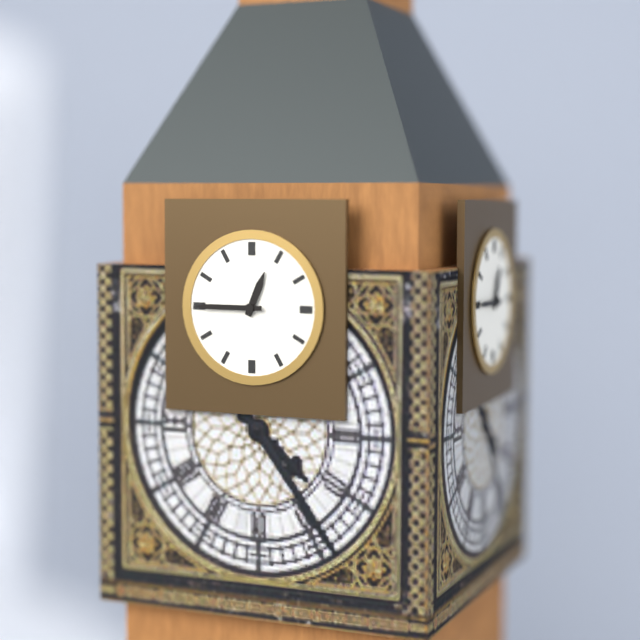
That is 12:45
